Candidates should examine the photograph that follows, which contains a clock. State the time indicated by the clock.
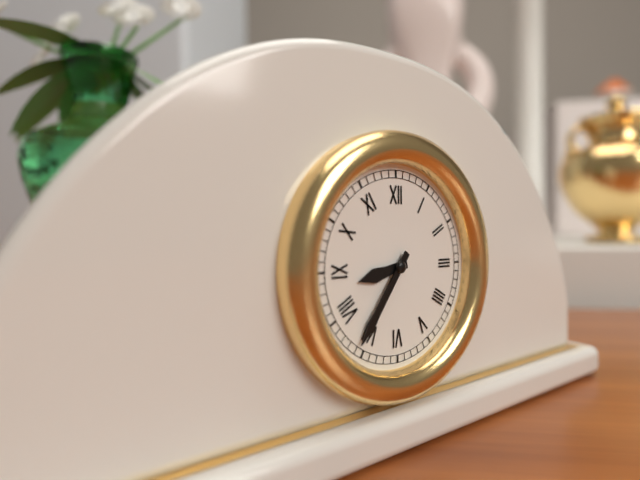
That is 8:36
